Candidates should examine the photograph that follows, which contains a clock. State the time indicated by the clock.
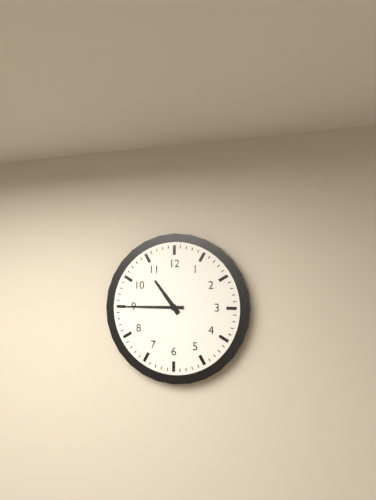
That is 10:45
